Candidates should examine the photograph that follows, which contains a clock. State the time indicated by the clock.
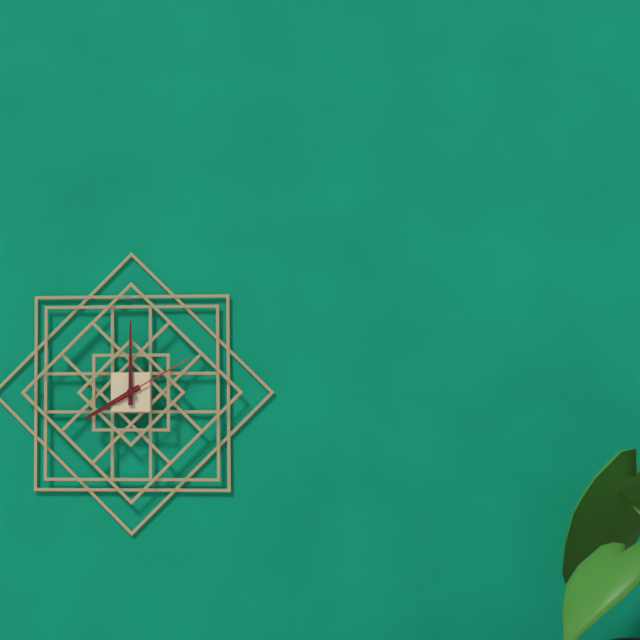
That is 8:00:10
